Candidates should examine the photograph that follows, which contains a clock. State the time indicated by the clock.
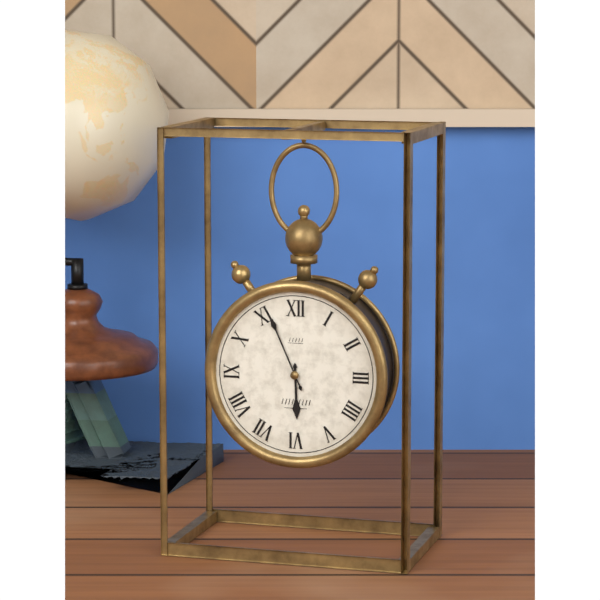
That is 5:56
